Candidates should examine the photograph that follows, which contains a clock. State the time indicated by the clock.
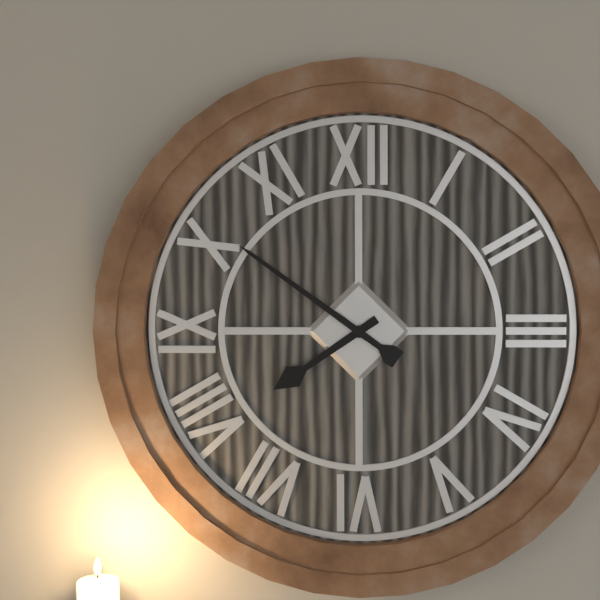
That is 7:51
